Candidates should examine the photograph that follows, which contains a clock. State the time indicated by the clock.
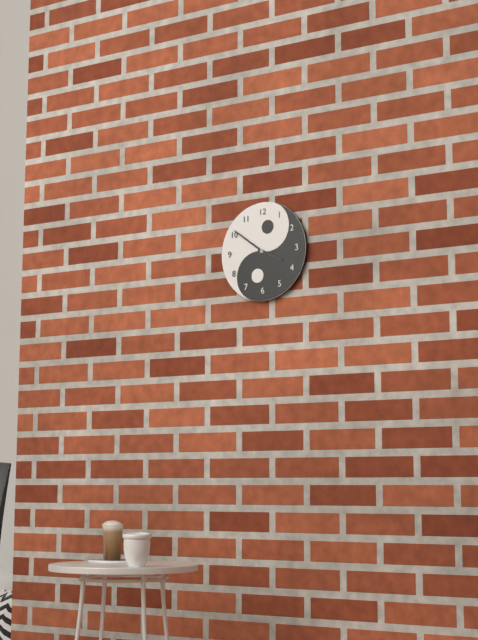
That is 3:51
